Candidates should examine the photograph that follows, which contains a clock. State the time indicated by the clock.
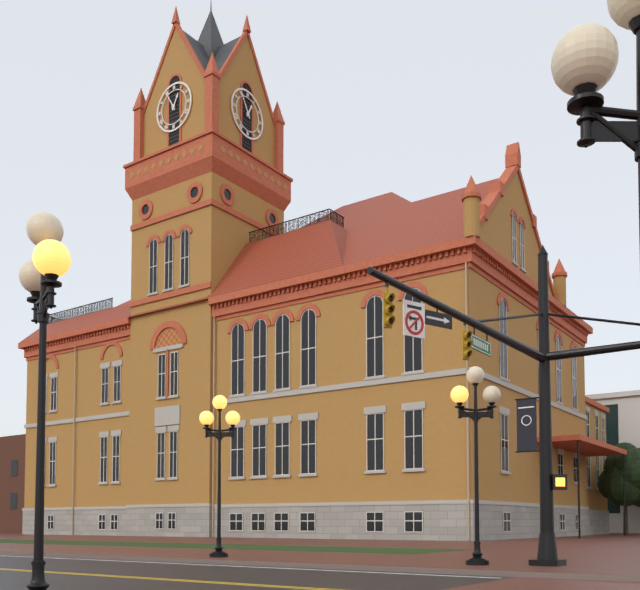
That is 12:55
